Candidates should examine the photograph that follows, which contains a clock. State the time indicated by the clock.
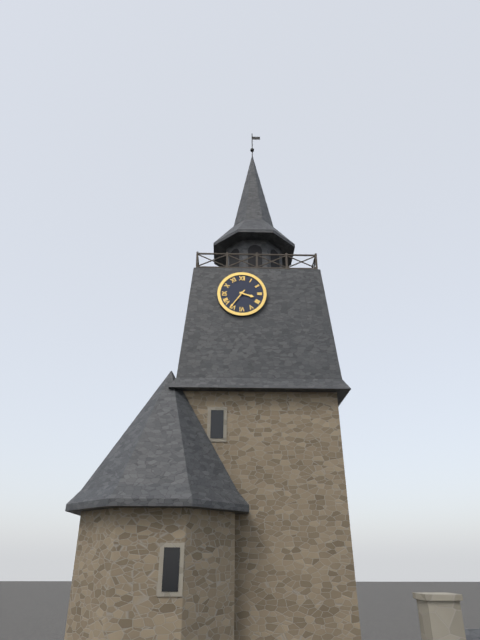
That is 3:36
